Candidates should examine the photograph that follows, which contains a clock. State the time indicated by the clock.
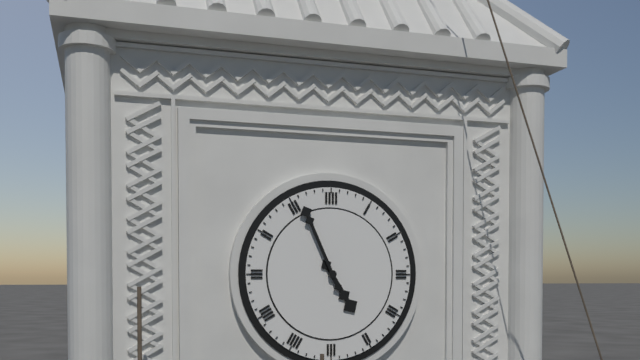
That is 4:56
